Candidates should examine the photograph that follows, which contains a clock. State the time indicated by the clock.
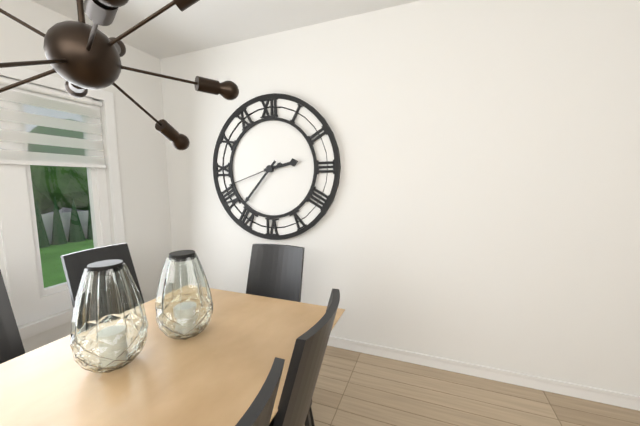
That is 2:37:42
